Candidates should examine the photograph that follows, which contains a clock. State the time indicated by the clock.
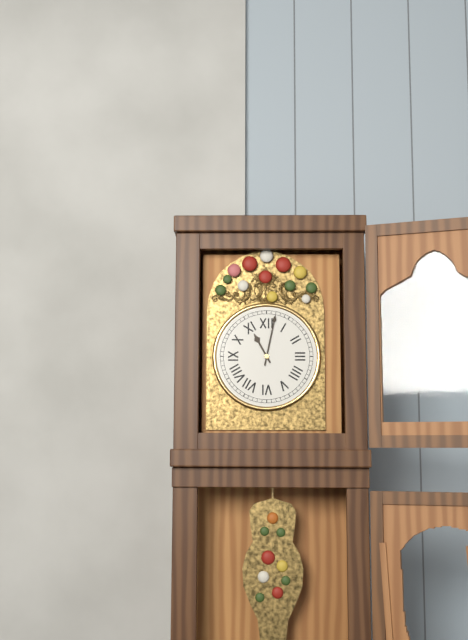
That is 11:02
